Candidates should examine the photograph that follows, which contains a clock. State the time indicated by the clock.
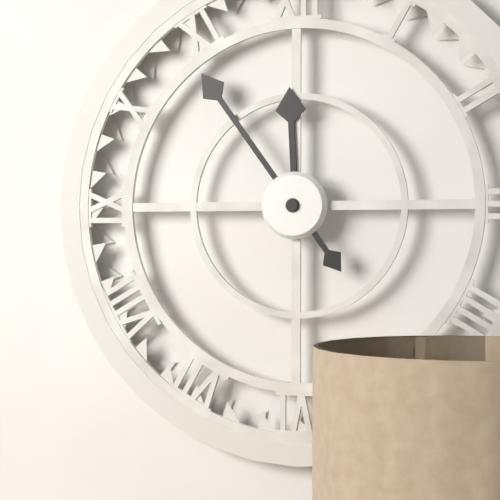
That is 11:54
